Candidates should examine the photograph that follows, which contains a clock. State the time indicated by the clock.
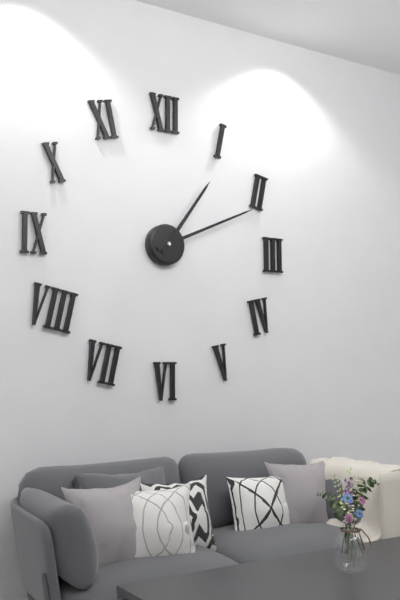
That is 1:11
